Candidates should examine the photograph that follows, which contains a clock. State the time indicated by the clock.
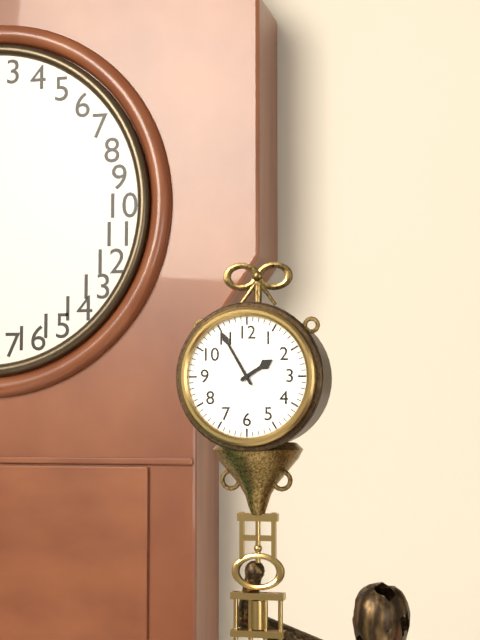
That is 1:55
